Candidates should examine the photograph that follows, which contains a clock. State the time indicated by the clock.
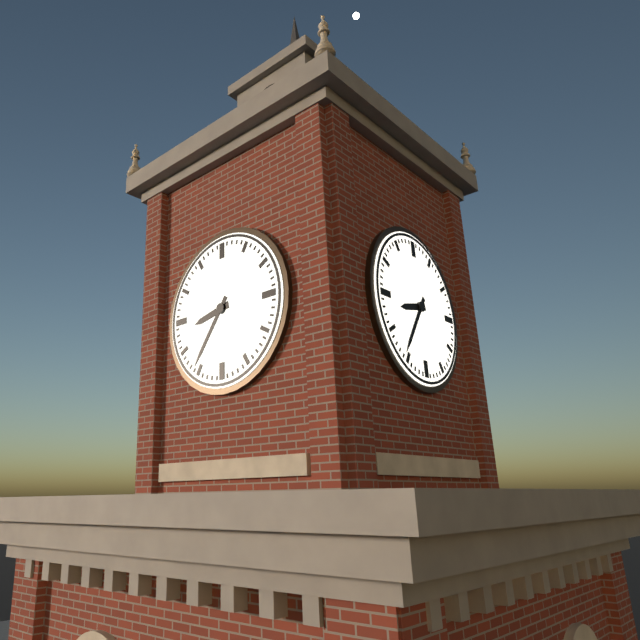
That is 8:36
